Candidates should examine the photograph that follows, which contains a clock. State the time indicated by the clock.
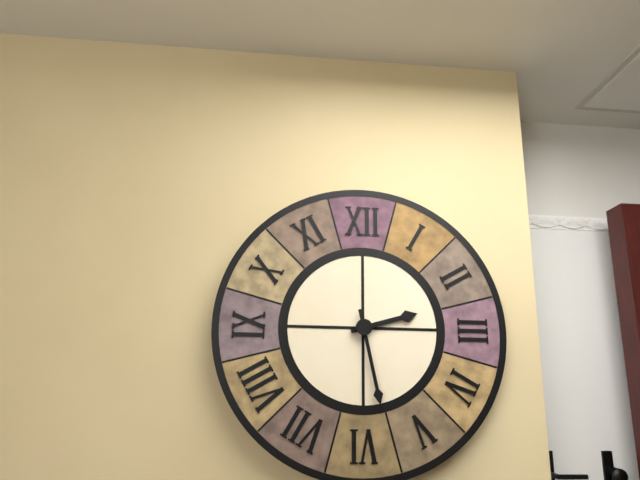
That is 2:28
